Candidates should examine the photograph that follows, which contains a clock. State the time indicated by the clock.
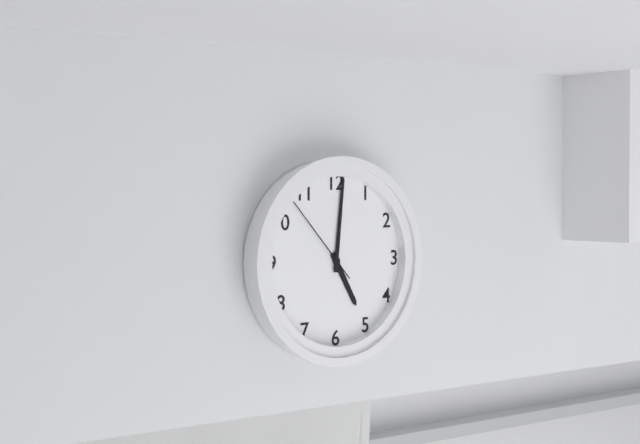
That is 5:01:53
